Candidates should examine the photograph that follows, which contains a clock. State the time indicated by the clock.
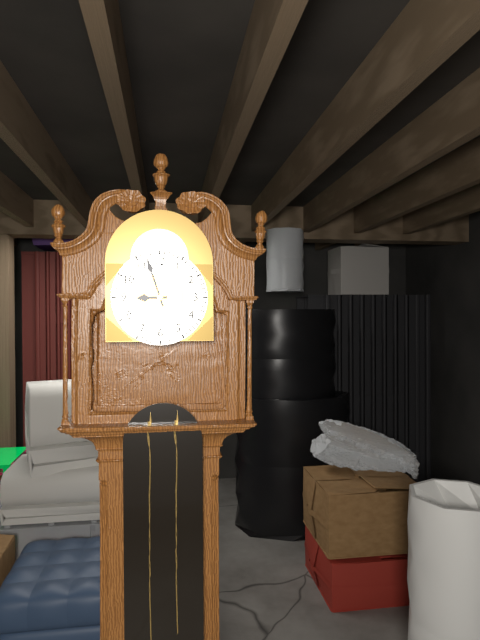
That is 8:57
